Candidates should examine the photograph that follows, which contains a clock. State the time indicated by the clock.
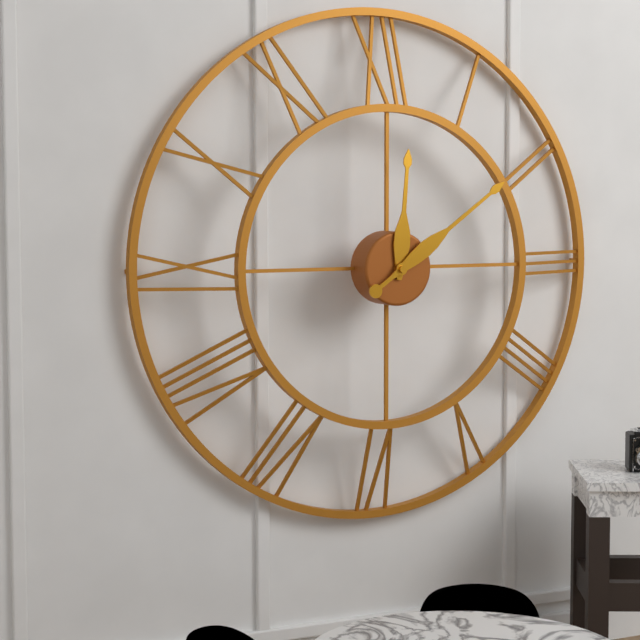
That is 12:09
